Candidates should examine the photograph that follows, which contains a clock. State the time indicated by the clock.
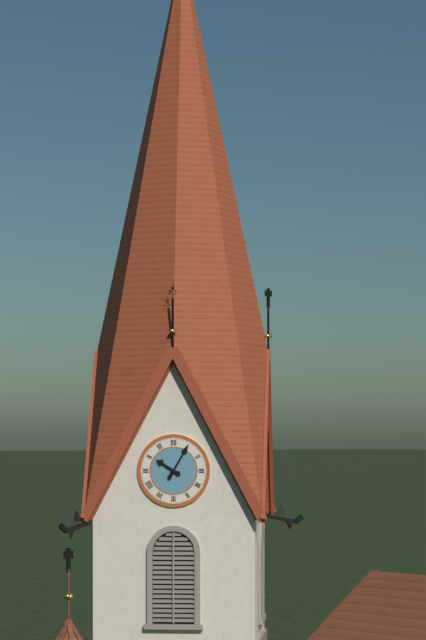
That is 10:05
